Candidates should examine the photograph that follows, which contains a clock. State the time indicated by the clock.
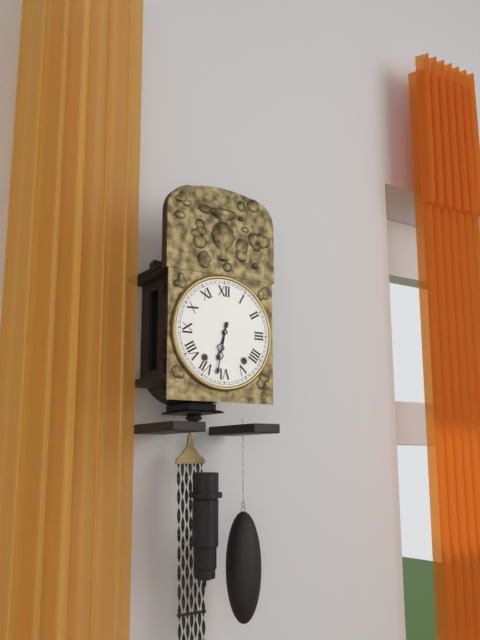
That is 6:32
